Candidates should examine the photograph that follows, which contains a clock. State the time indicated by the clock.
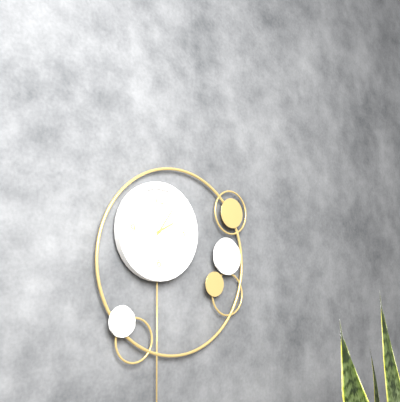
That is 2:06
